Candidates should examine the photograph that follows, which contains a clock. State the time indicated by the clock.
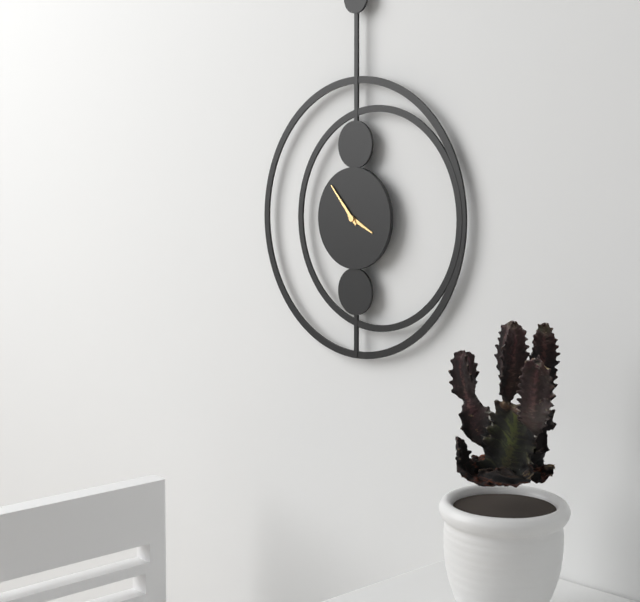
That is 3:53
